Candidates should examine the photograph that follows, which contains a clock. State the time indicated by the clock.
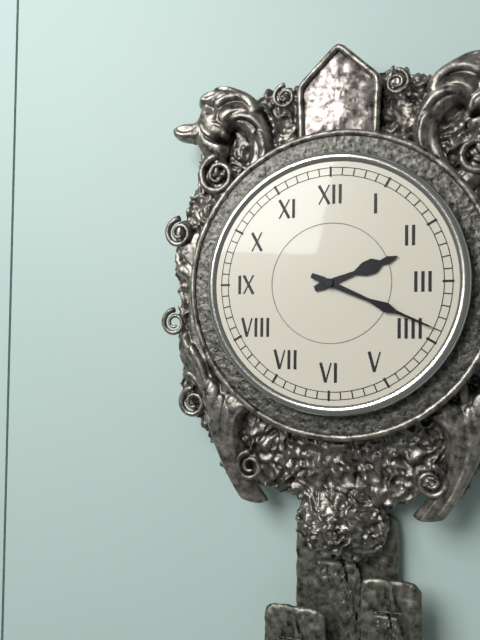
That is 2:19
